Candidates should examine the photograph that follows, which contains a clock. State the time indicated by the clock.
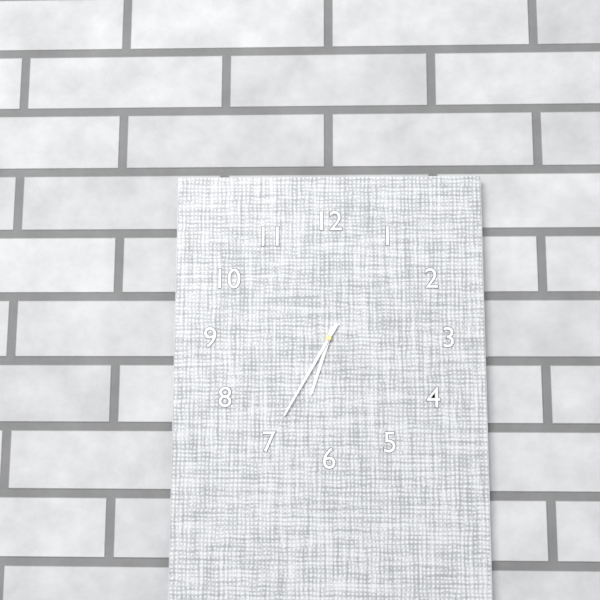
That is 6:35
